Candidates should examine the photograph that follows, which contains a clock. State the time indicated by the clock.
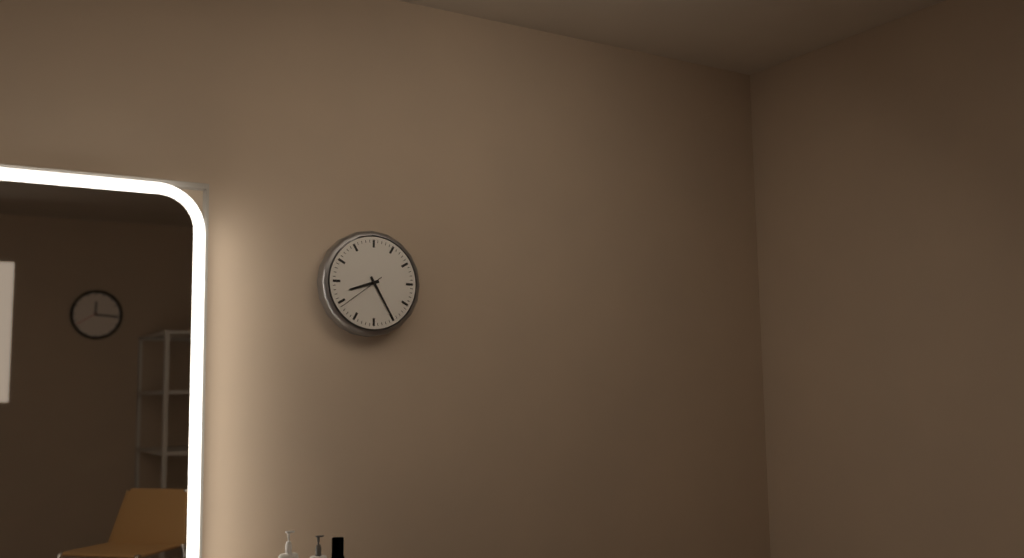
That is 8:25:39
